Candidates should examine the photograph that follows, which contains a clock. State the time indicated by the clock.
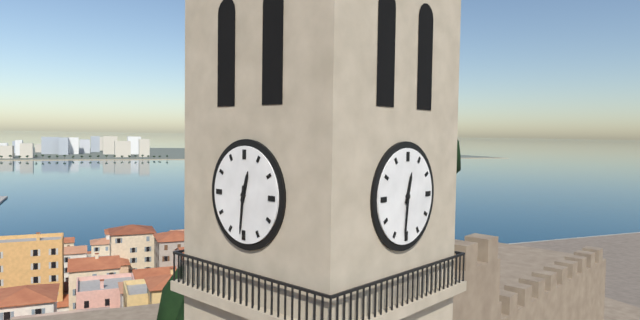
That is 12:31
